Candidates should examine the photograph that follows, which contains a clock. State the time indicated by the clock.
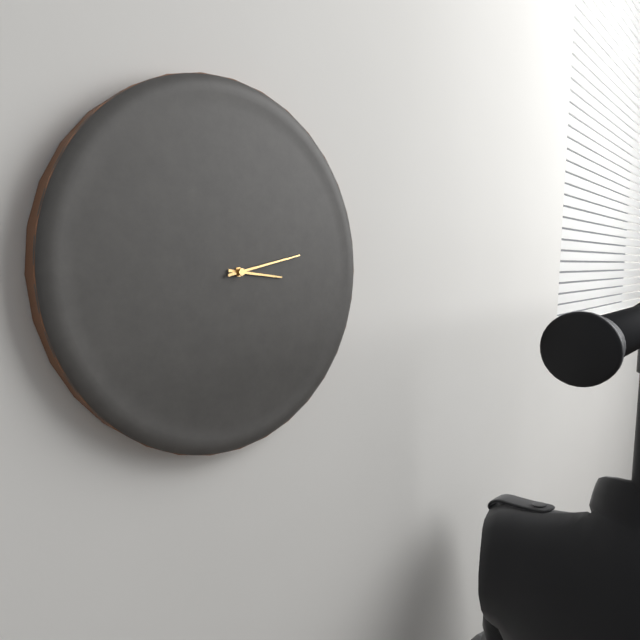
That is 3:13
